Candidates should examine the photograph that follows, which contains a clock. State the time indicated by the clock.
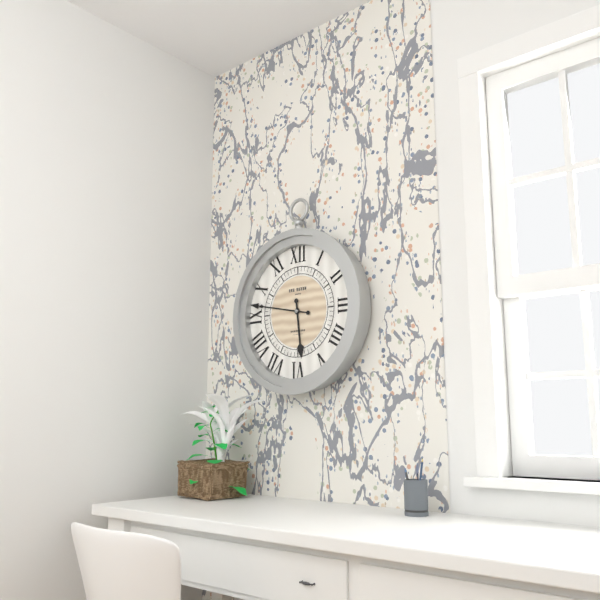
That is 5:47
